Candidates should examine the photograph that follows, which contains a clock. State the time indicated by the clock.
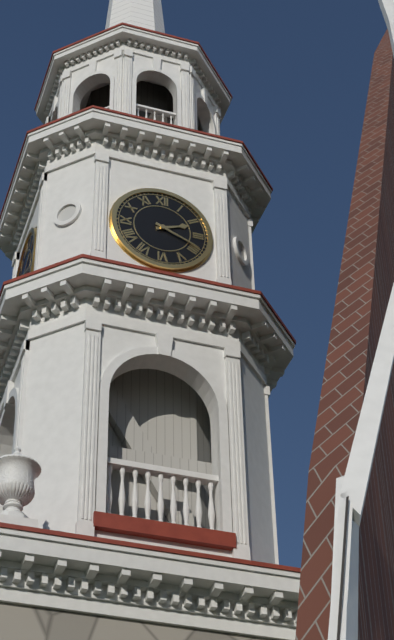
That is 2:19
